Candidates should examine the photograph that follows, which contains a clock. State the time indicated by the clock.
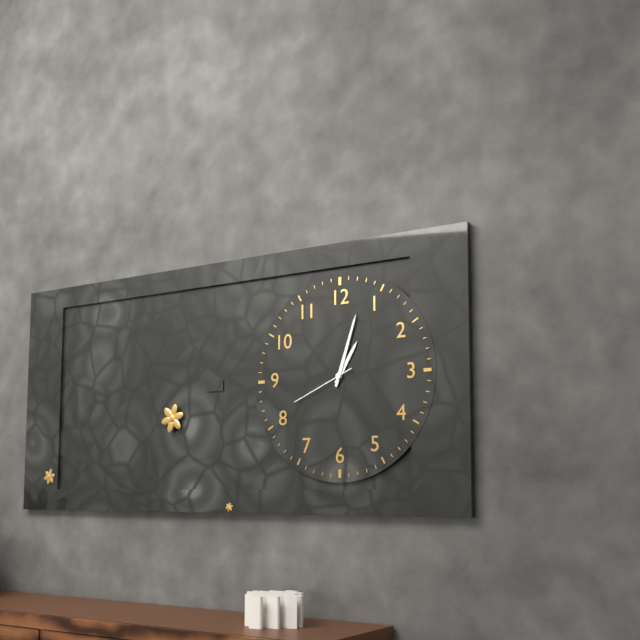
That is 1:03:41
